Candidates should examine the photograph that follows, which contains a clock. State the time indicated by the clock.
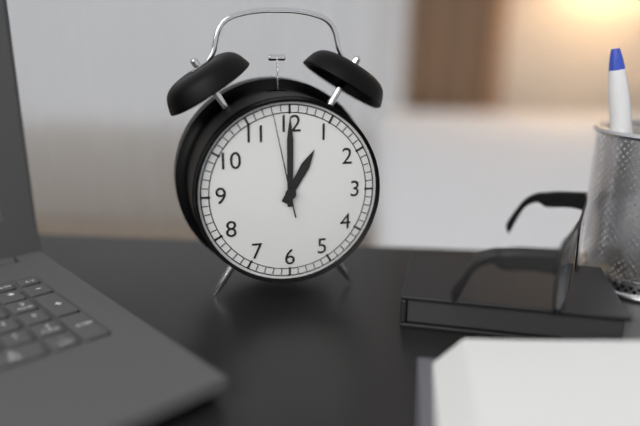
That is 1:00:58
